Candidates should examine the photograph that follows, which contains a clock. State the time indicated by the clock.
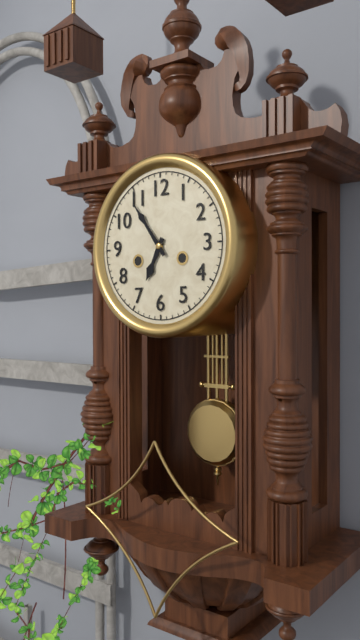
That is 6:54
